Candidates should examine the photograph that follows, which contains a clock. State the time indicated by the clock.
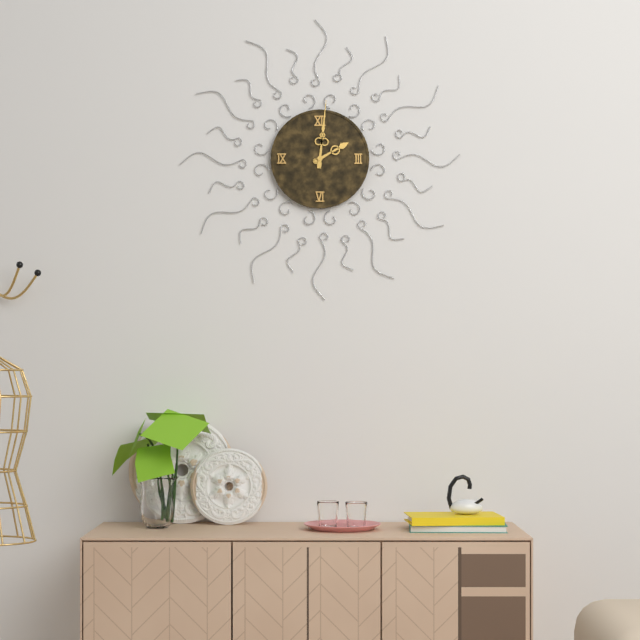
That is 2:01
